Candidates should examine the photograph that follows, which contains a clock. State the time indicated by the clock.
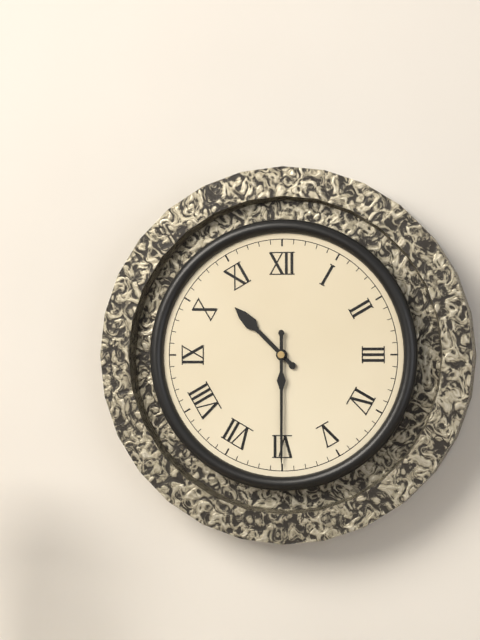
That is 10:30
